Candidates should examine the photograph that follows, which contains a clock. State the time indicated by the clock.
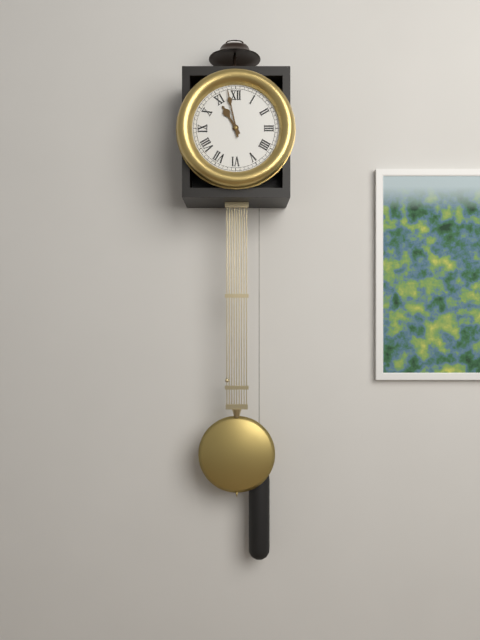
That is 10:58
